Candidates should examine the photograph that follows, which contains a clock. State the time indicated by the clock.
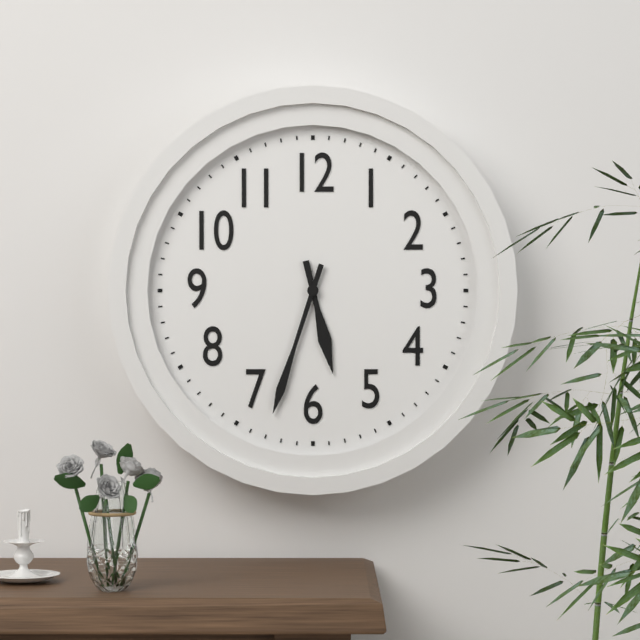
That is 5:33
